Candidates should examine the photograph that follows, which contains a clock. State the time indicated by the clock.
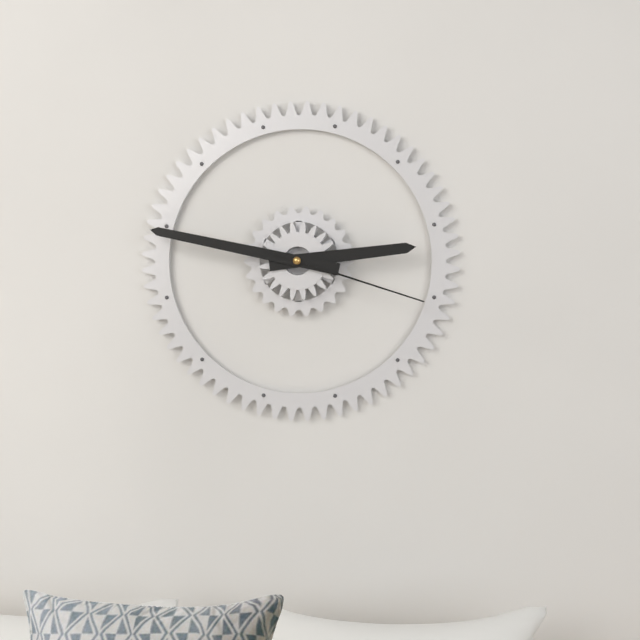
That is 2:47:18
